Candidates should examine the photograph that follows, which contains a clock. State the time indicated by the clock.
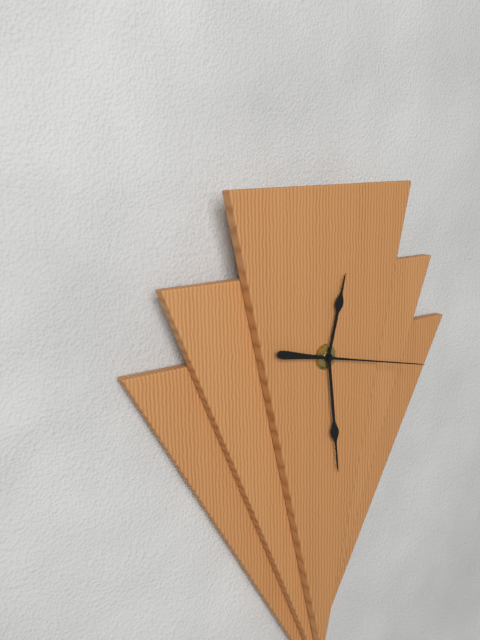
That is 12:29:17
